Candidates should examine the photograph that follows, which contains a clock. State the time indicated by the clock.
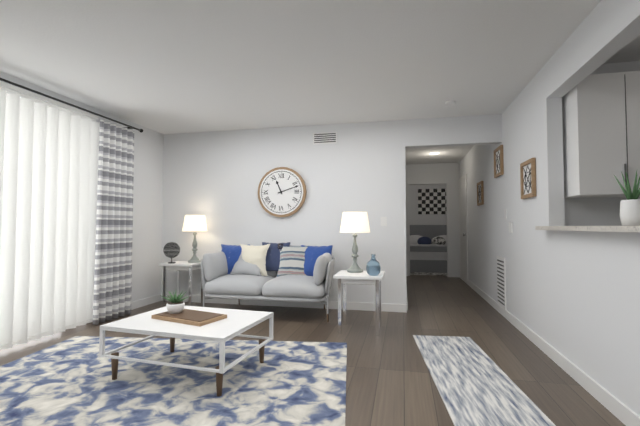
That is 11:12
